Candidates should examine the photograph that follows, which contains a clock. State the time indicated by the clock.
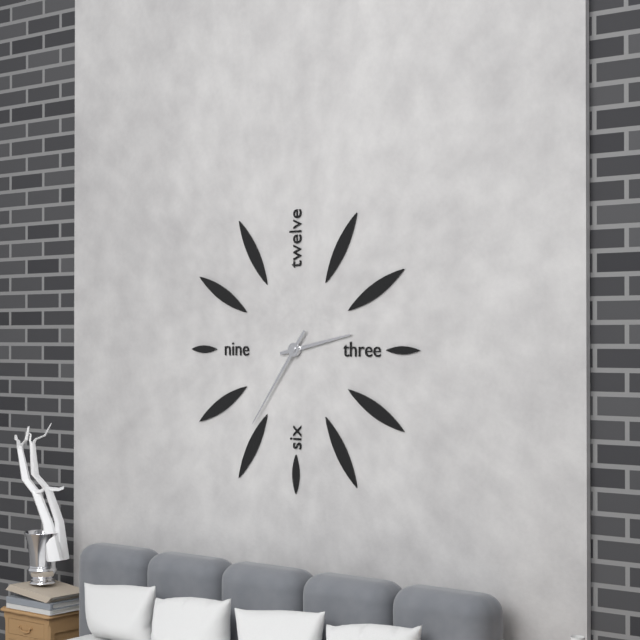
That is 2:36
